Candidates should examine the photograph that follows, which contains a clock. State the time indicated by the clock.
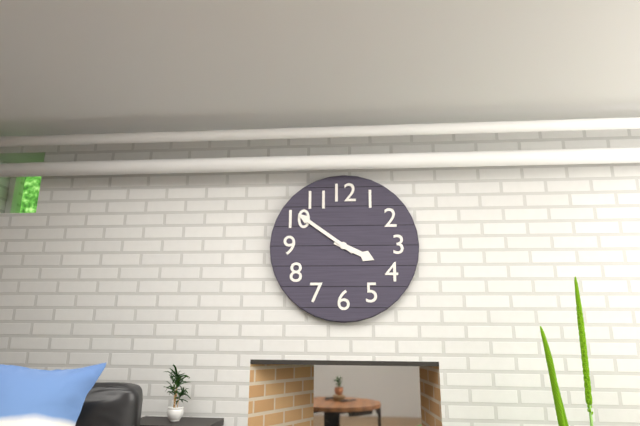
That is 3:51
